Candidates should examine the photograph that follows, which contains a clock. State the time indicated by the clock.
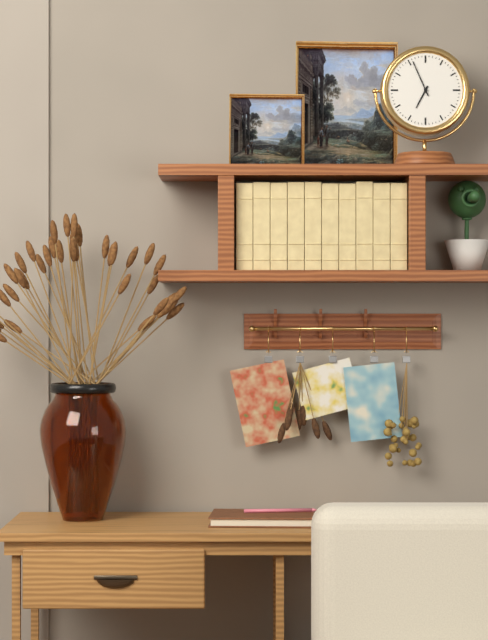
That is 6:56
